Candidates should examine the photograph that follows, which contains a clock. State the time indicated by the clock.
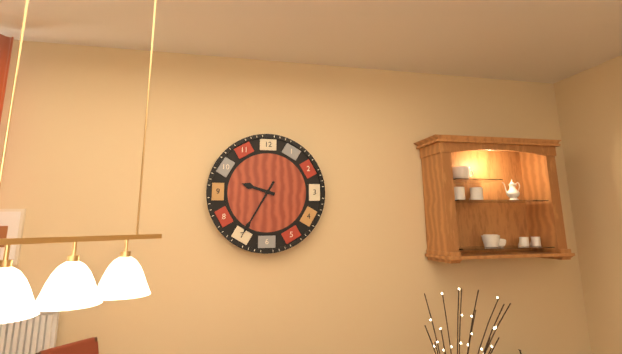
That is 9:35
